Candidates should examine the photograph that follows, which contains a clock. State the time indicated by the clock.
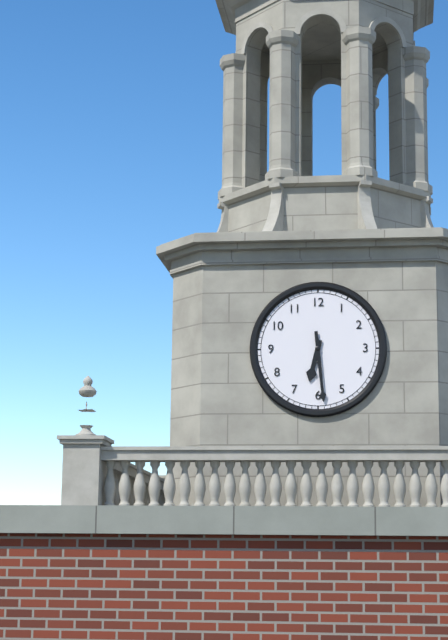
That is 6:29
